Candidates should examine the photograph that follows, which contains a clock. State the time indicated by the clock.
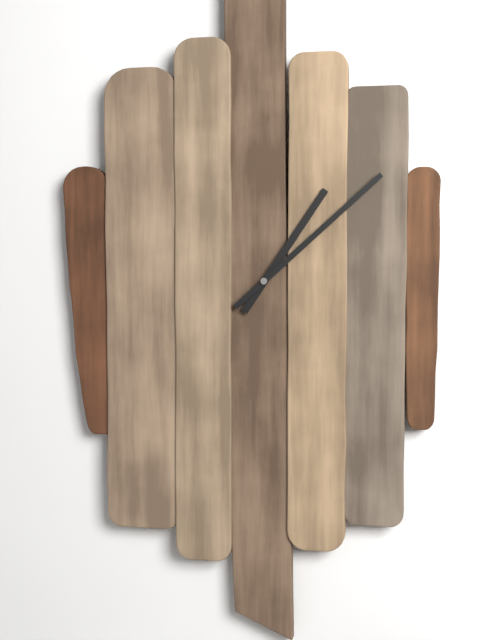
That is 1:08
